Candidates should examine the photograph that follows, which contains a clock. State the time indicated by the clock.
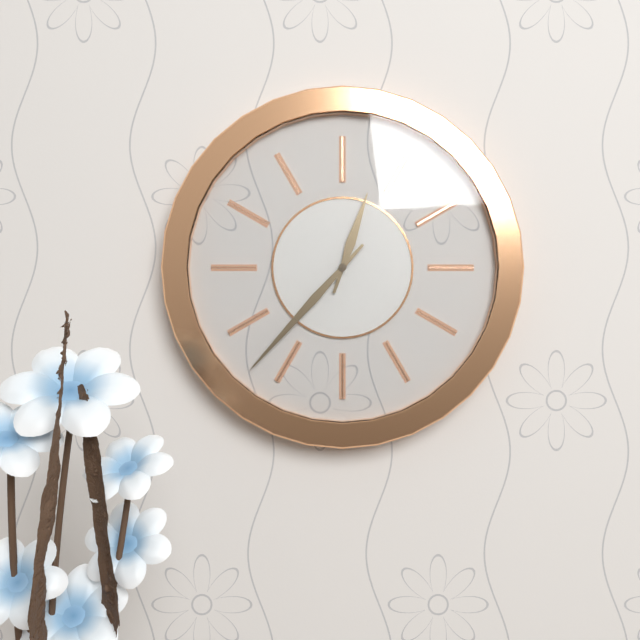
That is 12:37
